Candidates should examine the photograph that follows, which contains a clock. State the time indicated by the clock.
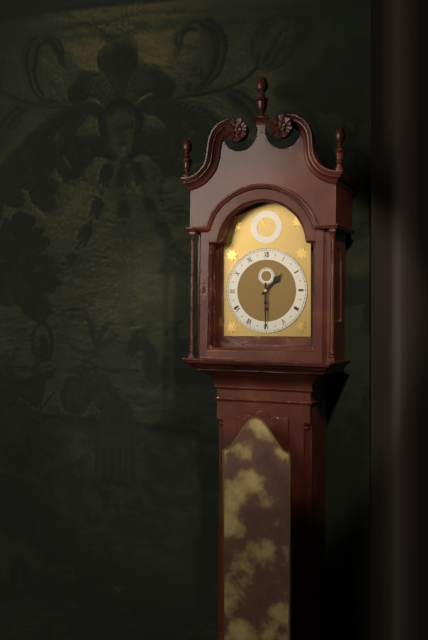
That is 1:30
